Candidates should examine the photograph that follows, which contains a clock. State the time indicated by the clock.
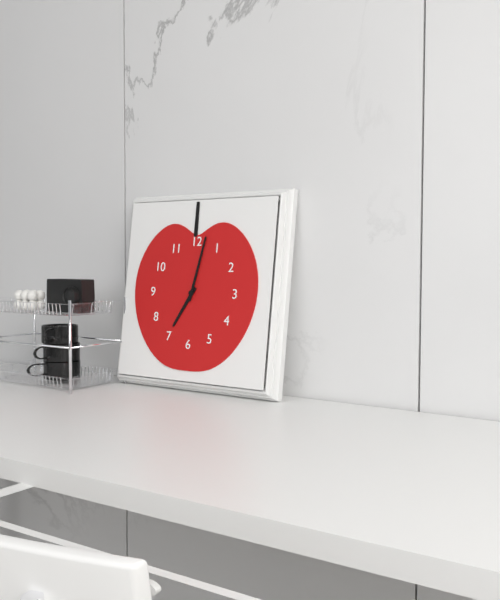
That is 7:02
